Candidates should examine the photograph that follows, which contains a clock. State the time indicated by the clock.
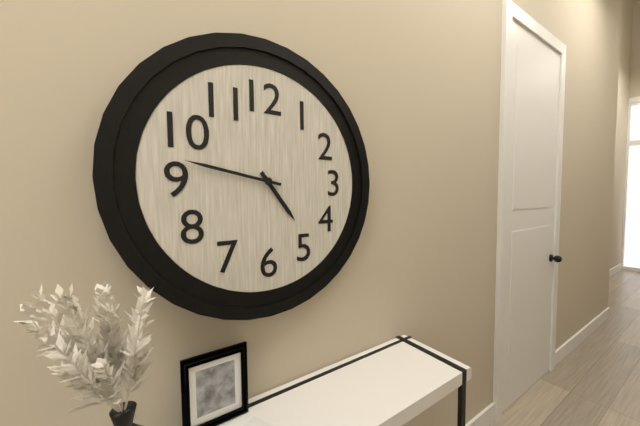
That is 4:47
